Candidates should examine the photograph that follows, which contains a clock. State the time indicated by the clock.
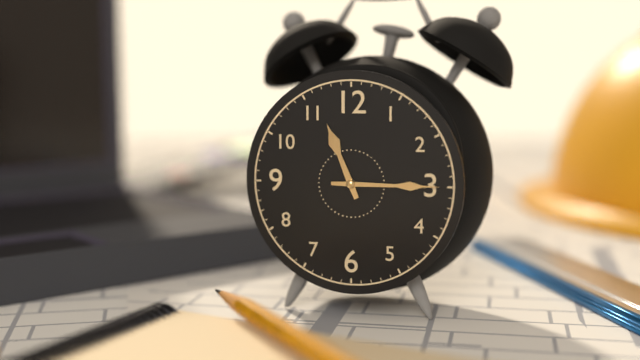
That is 11:15
